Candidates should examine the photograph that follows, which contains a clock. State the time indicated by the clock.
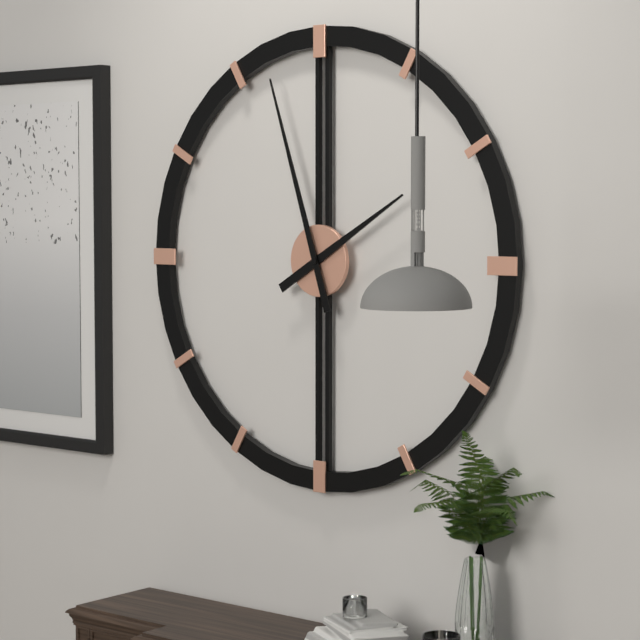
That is 1:57
